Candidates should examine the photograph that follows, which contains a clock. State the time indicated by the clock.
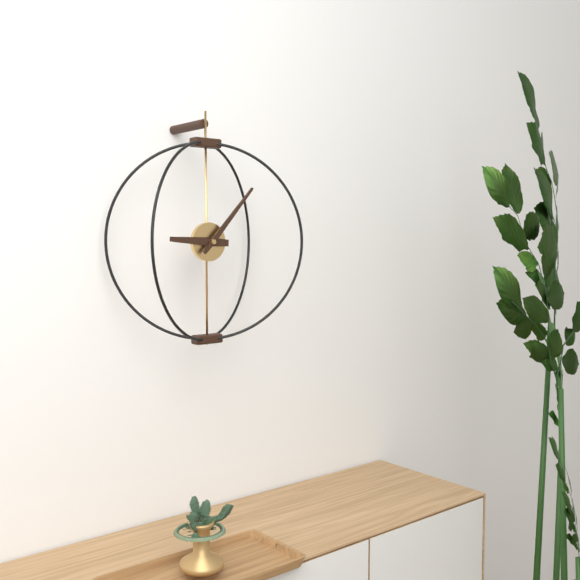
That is 9:07
